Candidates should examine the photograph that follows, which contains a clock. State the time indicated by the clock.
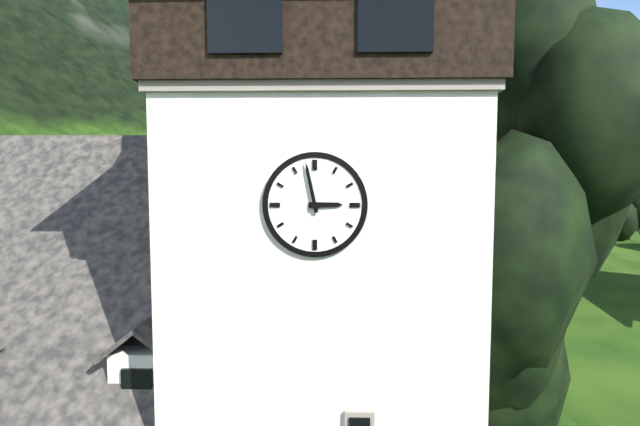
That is 2:58
